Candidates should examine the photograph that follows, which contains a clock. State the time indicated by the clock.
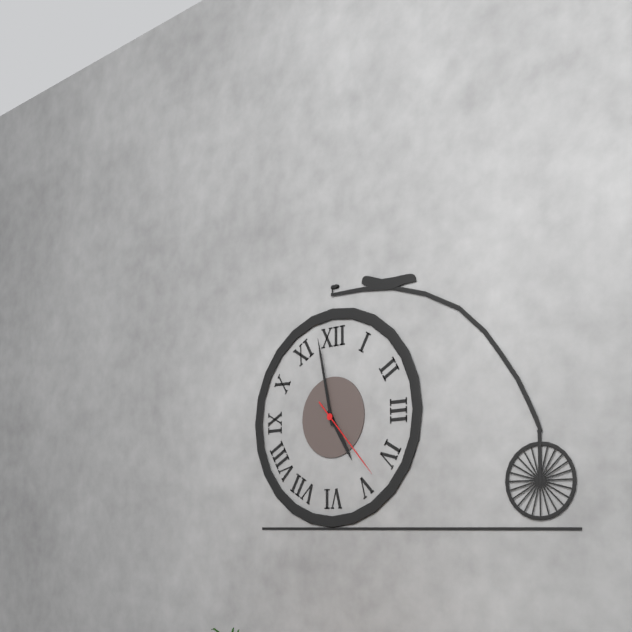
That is 4:58:23
